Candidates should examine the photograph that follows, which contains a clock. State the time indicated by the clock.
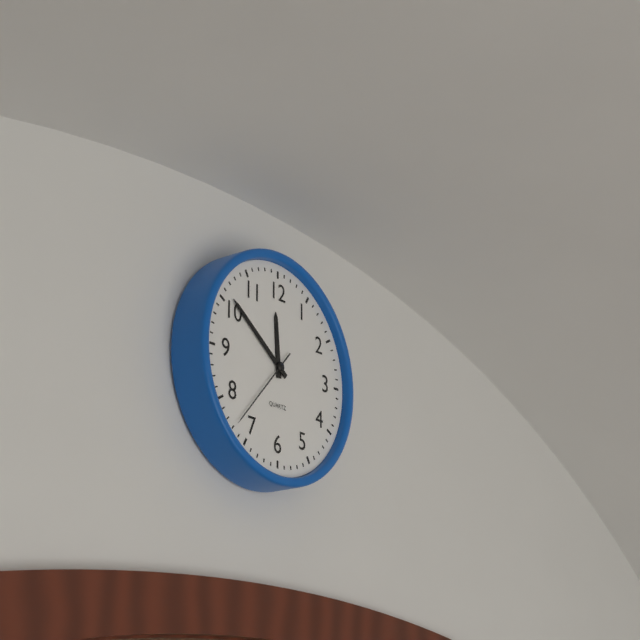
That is 11:51:37
